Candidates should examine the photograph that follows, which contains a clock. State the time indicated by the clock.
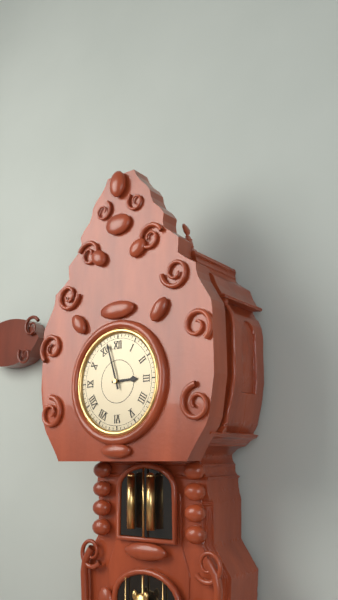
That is 2:57
